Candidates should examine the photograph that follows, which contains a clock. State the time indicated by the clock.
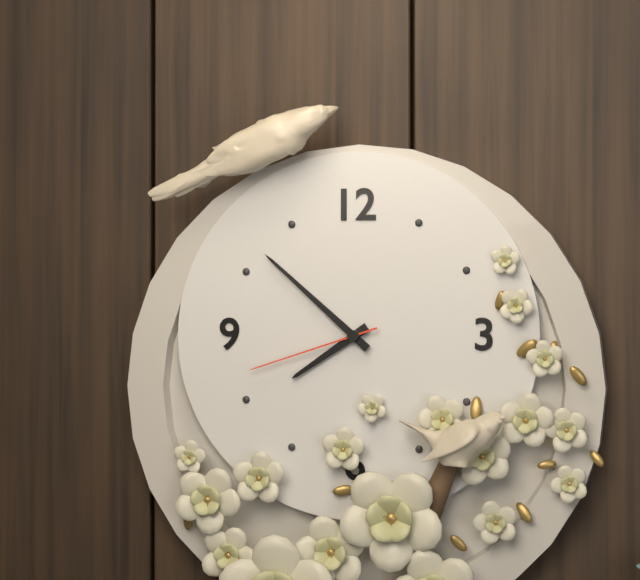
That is 7:52:42
